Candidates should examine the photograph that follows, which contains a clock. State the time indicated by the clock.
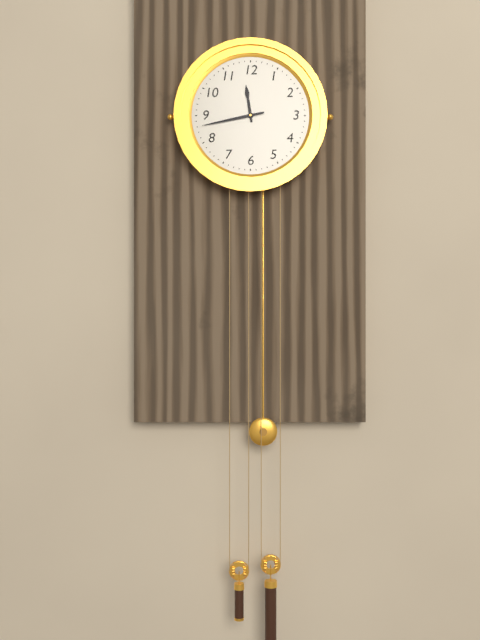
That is 11:43
